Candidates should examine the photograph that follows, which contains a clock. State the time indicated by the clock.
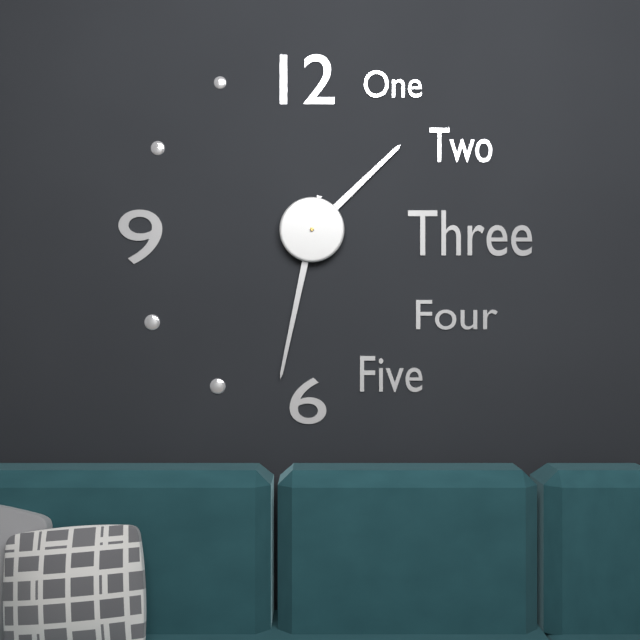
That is 1:32
